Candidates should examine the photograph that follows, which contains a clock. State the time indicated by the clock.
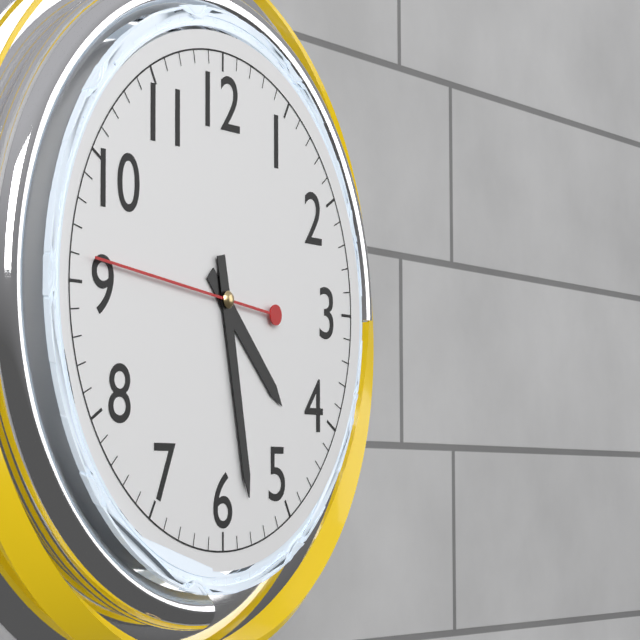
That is 4:28:46
